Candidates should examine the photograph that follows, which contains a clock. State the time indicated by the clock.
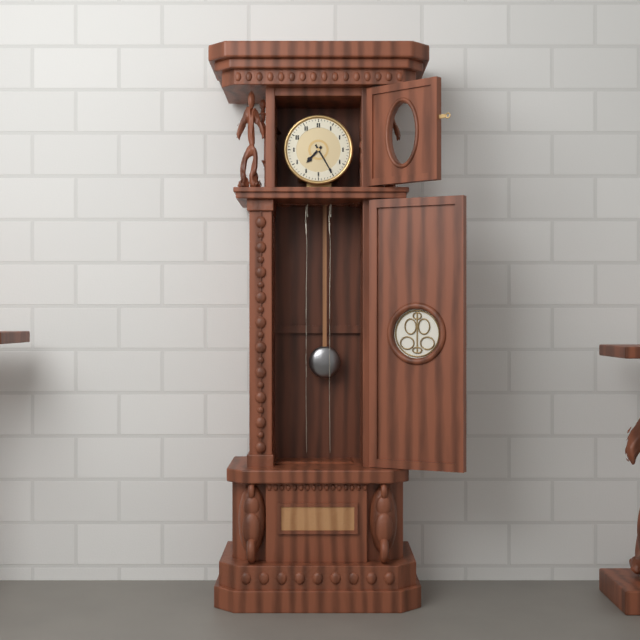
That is 7:25
